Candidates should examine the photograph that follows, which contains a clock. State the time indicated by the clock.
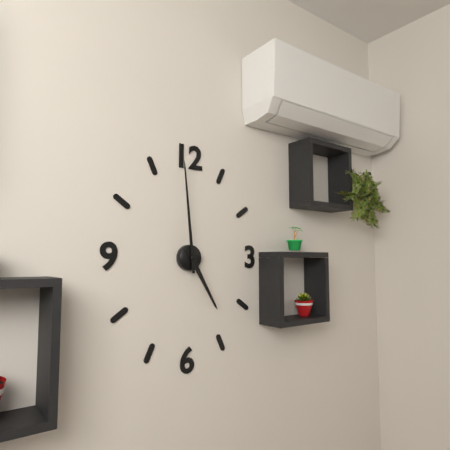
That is 4:59
